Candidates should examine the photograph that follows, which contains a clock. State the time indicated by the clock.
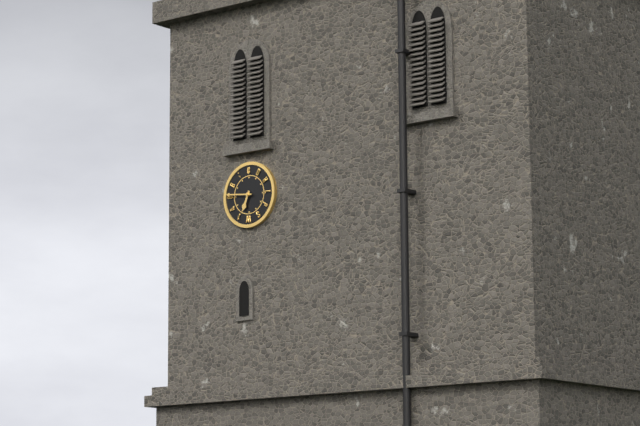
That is 6:46
